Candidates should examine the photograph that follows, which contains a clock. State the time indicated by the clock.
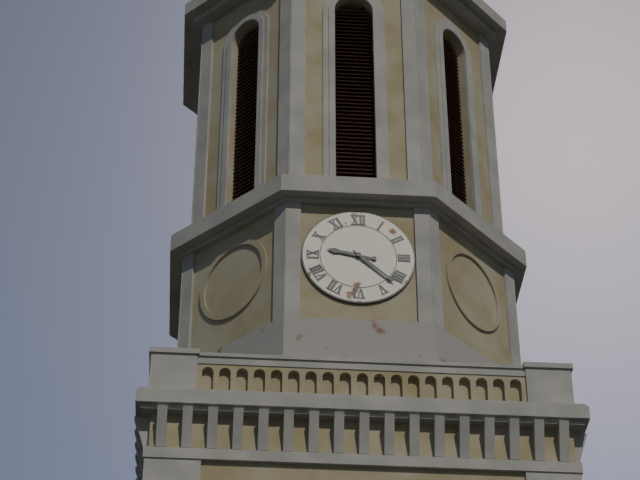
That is 9:22
